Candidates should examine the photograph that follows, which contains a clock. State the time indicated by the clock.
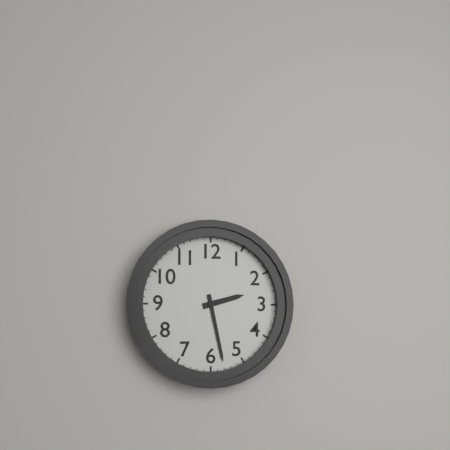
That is 2:28
